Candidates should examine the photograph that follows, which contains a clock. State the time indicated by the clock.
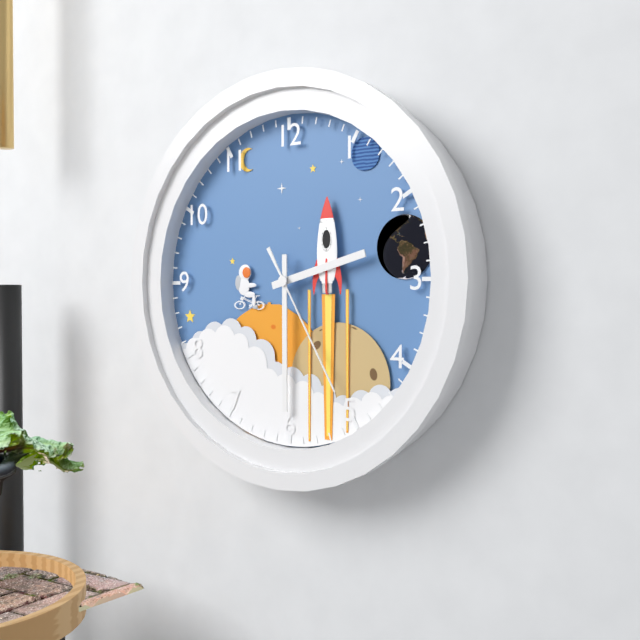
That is 2:30:25
